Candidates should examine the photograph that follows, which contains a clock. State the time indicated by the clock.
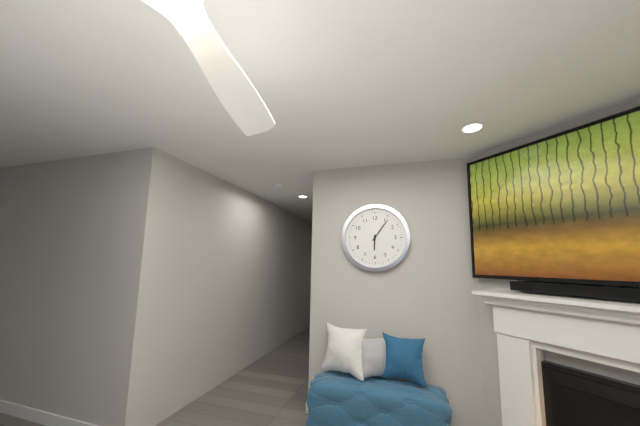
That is 6:06
